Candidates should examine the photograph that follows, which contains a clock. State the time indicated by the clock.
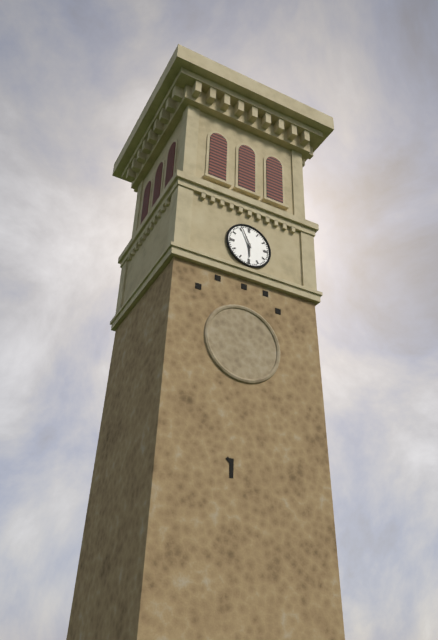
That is 5:56
